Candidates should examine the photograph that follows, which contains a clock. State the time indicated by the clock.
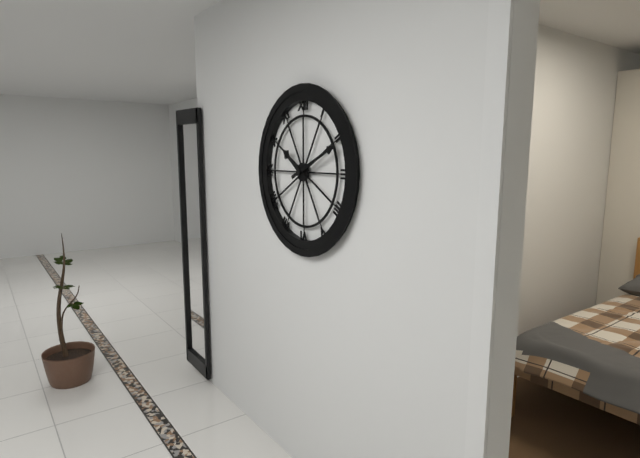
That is 10:11
